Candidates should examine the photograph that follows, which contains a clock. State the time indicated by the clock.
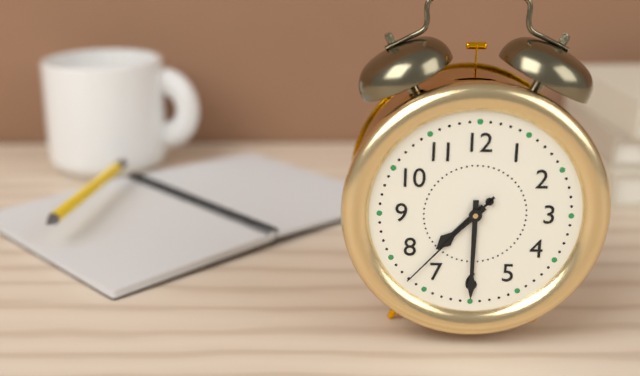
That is 7:30:37
